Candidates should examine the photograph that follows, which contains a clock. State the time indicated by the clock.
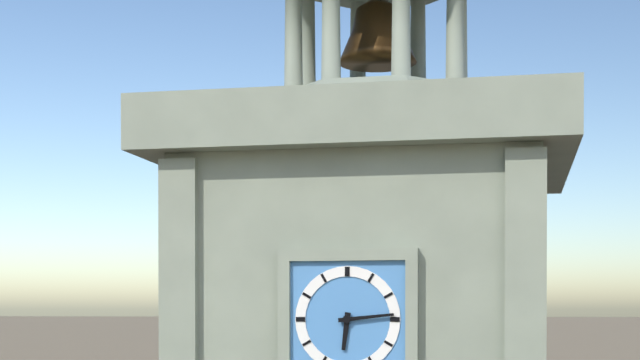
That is 6:14
